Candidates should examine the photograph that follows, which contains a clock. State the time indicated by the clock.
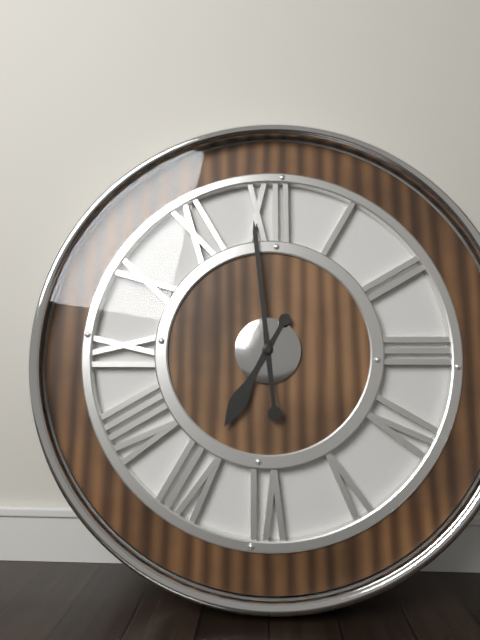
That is 6:59
